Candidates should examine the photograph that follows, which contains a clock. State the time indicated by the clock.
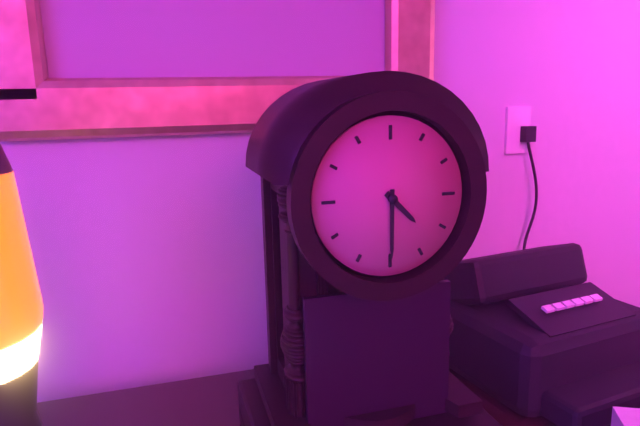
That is 4:30
